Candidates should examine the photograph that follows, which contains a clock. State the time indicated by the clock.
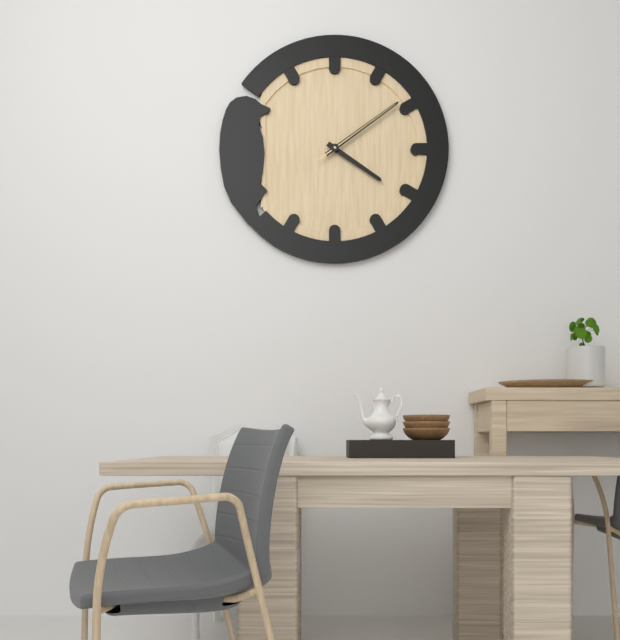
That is 4:09:09
